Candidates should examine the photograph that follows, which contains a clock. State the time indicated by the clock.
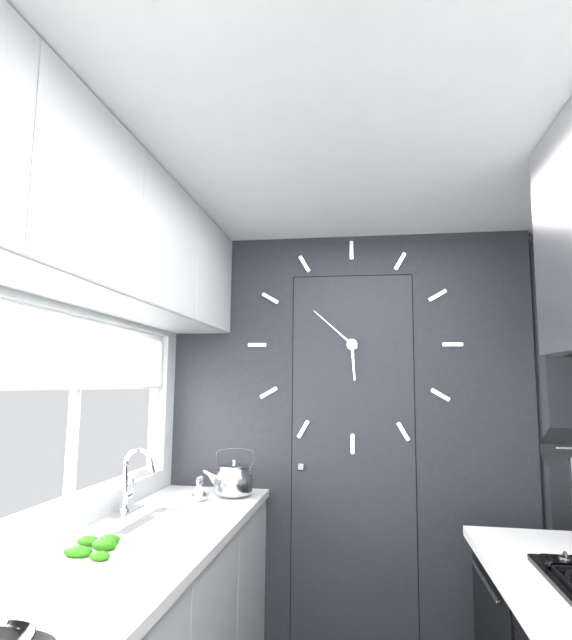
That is 5:52
